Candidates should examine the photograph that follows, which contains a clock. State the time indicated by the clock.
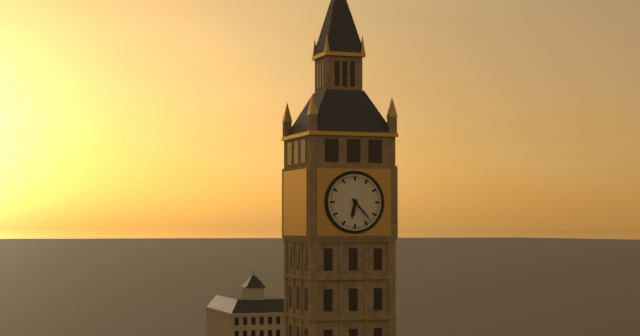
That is 6:23
